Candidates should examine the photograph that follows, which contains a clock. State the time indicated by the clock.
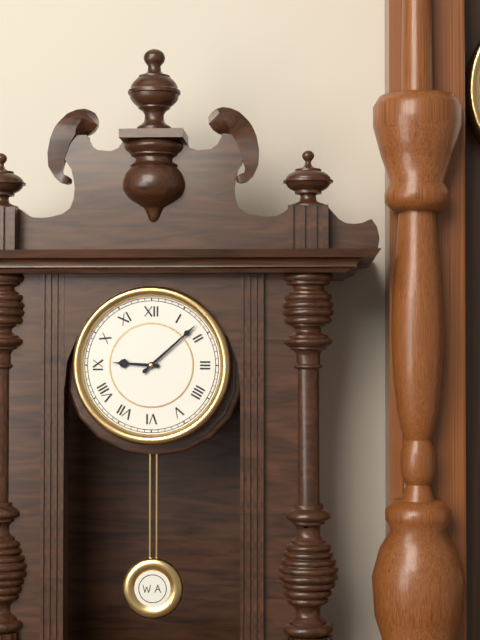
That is 9:08
